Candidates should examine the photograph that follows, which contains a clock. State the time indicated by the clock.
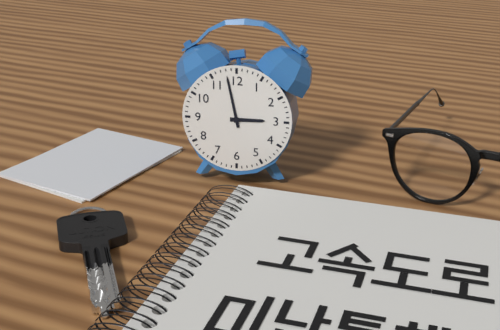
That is 2:58
